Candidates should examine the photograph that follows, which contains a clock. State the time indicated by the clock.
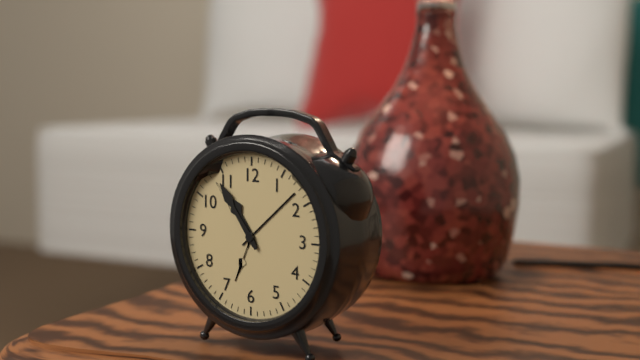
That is 10:54
